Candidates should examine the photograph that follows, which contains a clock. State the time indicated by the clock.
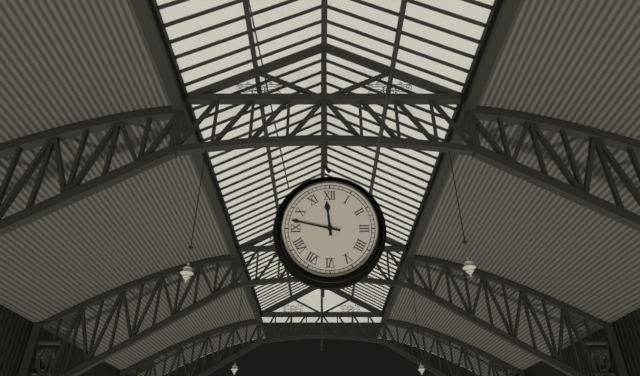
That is 11:47
